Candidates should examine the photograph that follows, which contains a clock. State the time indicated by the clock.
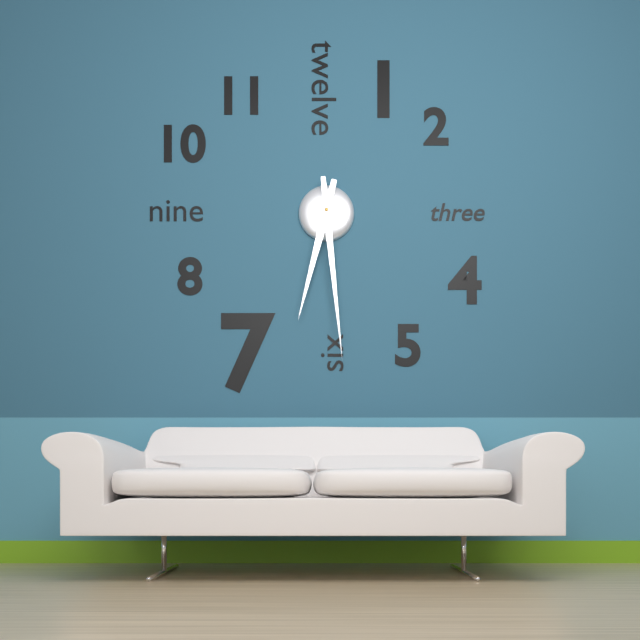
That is 6:29
